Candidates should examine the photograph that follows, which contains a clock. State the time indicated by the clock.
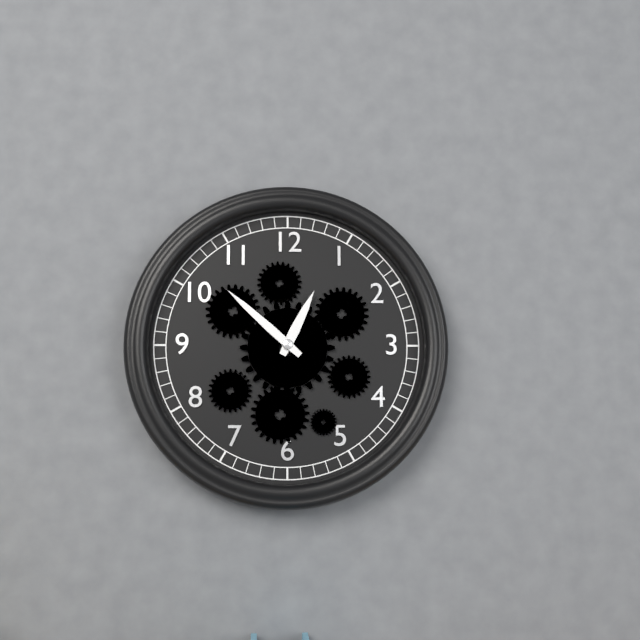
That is 12:52
